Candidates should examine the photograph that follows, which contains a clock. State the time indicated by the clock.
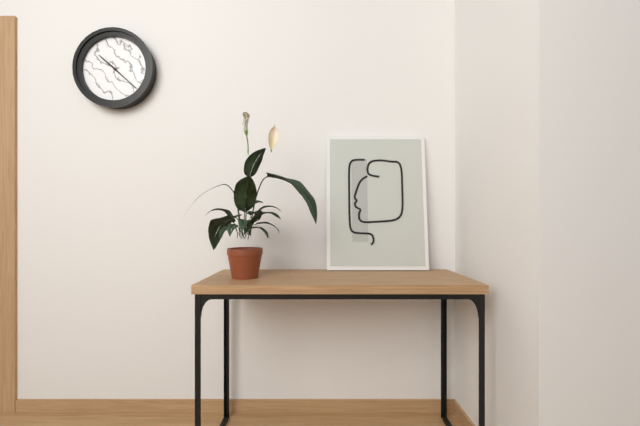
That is 10:22
